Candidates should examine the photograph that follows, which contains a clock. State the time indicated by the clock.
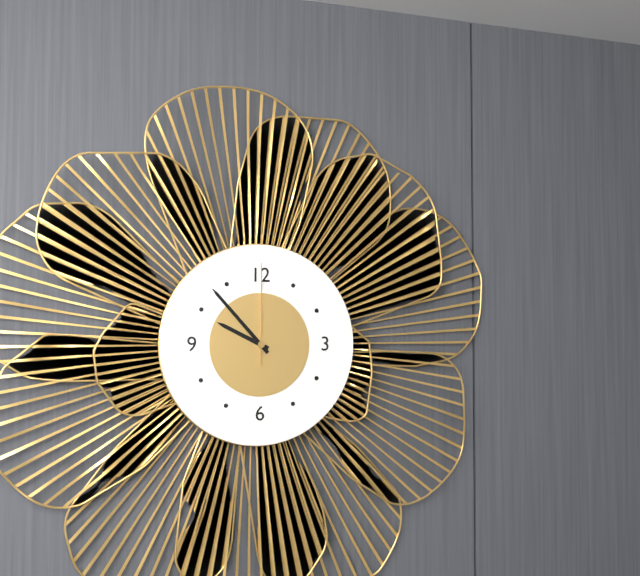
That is 9:53:00
